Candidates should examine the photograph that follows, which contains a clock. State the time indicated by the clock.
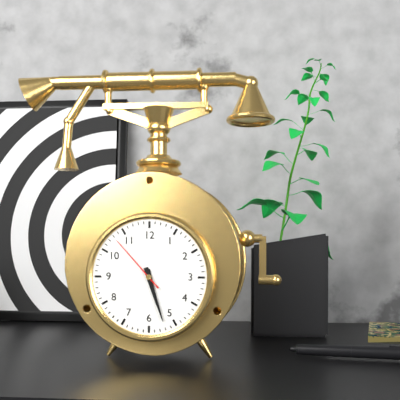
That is 5:27:53
